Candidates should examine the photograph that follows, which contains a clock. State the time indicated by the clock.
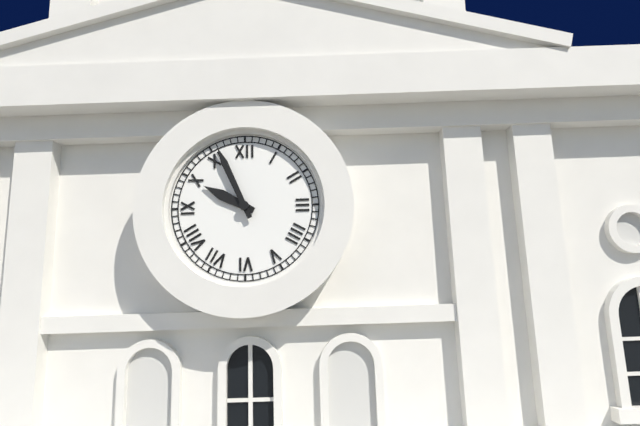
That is 9:56
